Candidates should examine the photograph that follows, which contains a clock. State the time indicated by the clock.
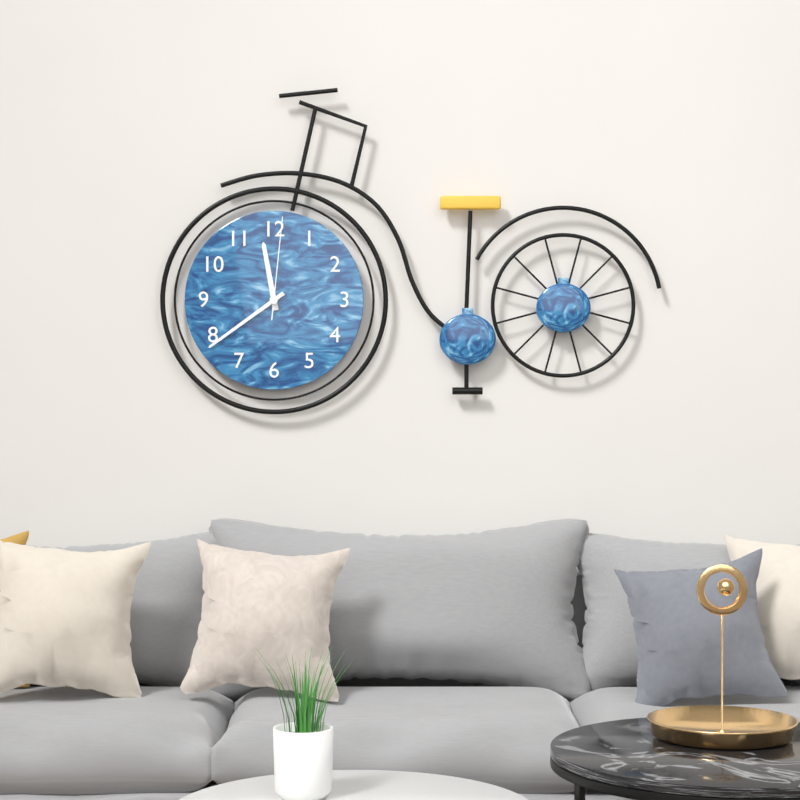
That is 11:39:01
